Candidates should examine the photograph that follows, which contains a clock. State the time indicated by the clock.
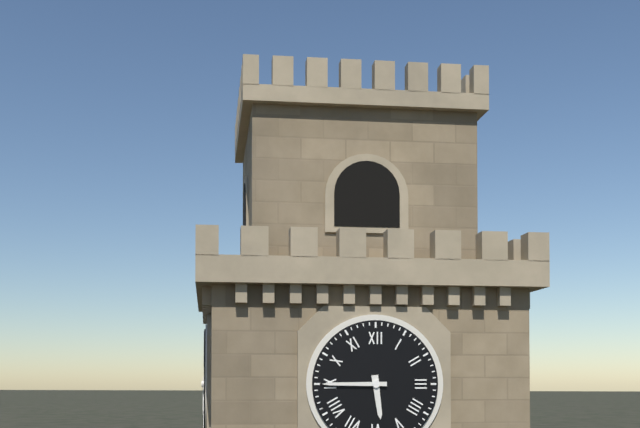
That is 5:45
